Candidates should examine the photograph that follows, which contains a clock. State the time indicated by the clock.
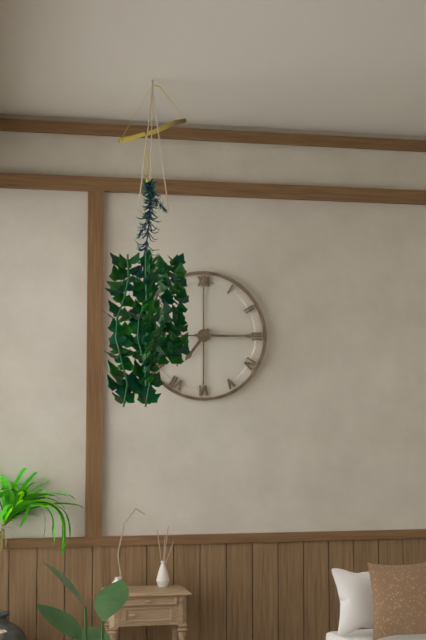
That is 7:15
